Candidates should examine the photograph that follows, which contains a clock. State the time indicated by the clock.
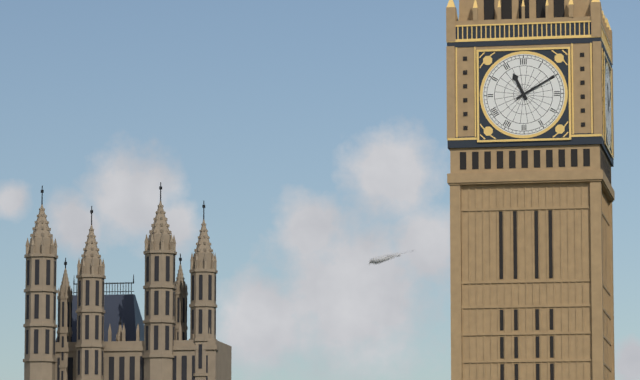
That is 11:10
